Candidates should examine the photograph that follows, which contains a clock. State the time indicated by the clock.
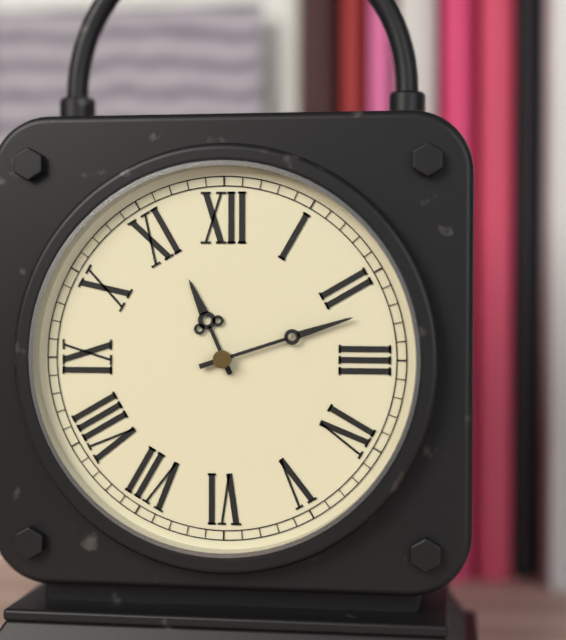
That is 11:12
